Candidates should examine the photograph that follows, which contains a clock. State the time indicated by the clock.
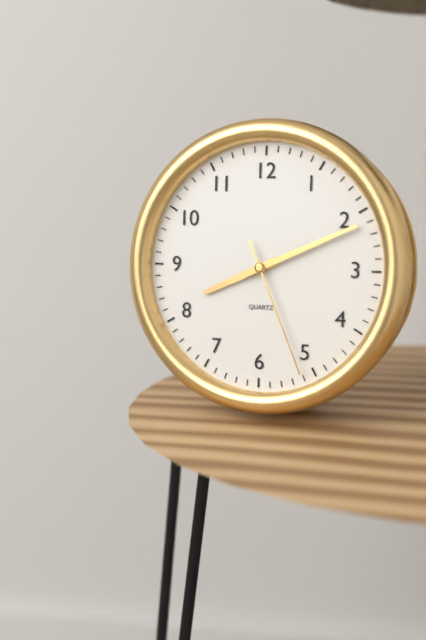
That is 8:11:26
